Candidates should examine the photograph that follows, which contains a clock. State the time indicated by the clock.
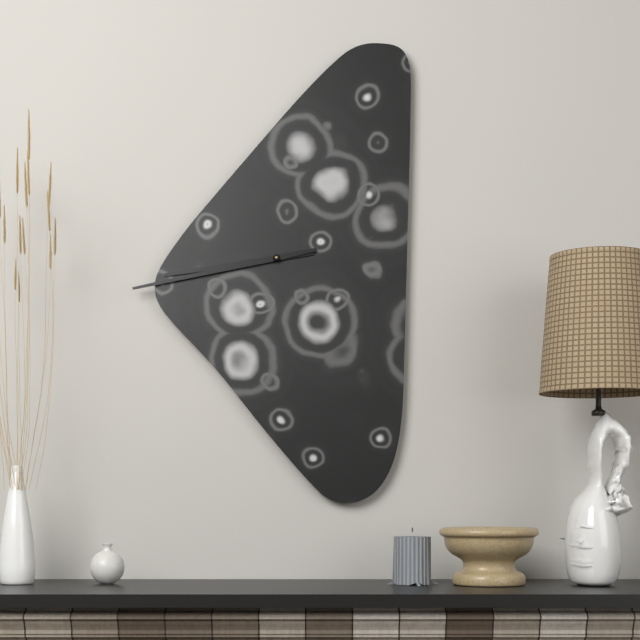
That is 8:43
